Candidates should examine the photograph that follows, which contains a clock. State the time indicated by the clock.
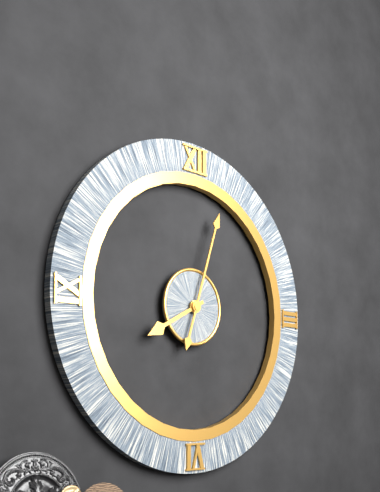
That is 8:03
